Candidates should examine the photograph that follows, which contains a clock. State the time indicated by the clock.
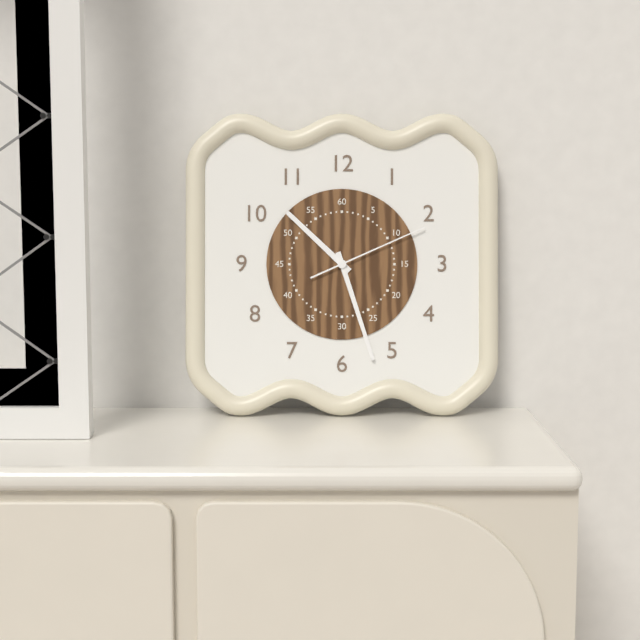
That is 10:27:11
